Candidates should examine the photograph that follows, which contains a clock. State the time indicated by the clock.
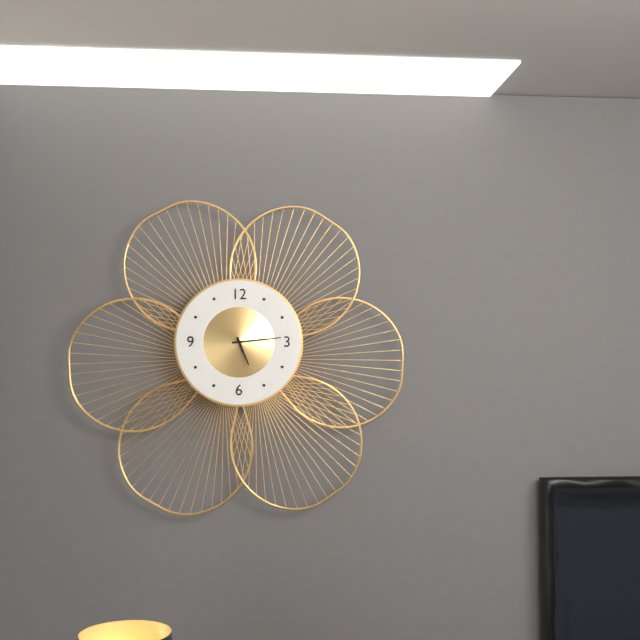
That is 5:14
